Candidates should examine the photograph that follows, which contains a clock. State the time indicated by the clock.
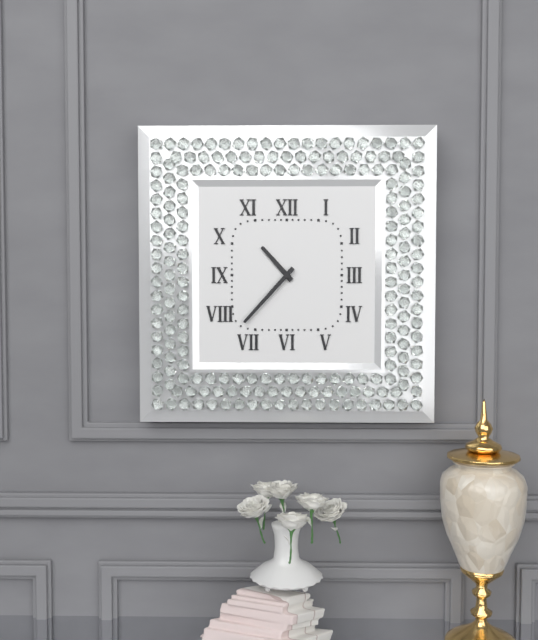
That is 10:37
